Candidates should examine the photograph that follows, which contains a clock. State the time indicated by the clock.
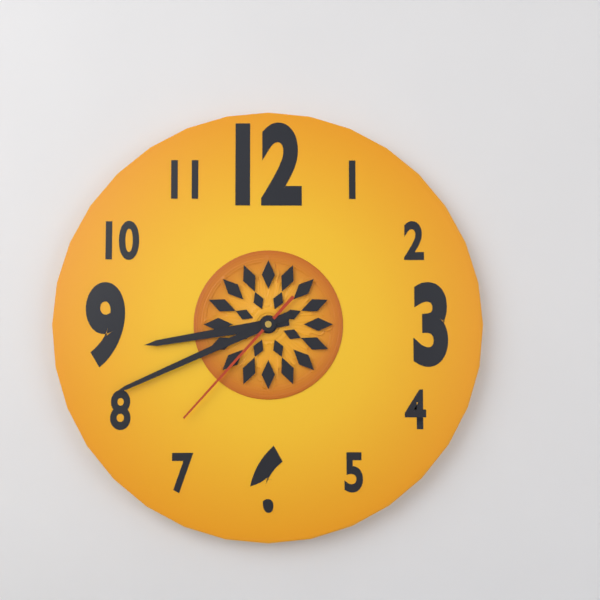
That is 8:41:37
